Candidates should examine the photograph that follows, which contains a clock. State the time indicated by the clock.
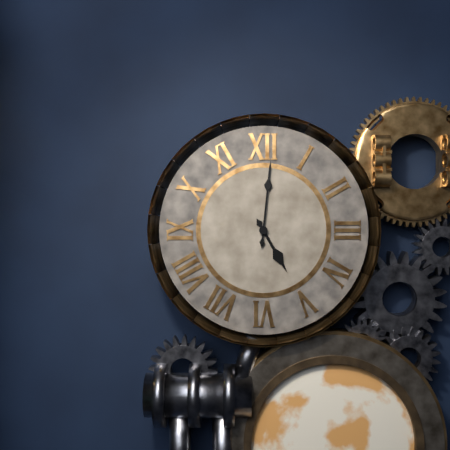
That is 5:01
